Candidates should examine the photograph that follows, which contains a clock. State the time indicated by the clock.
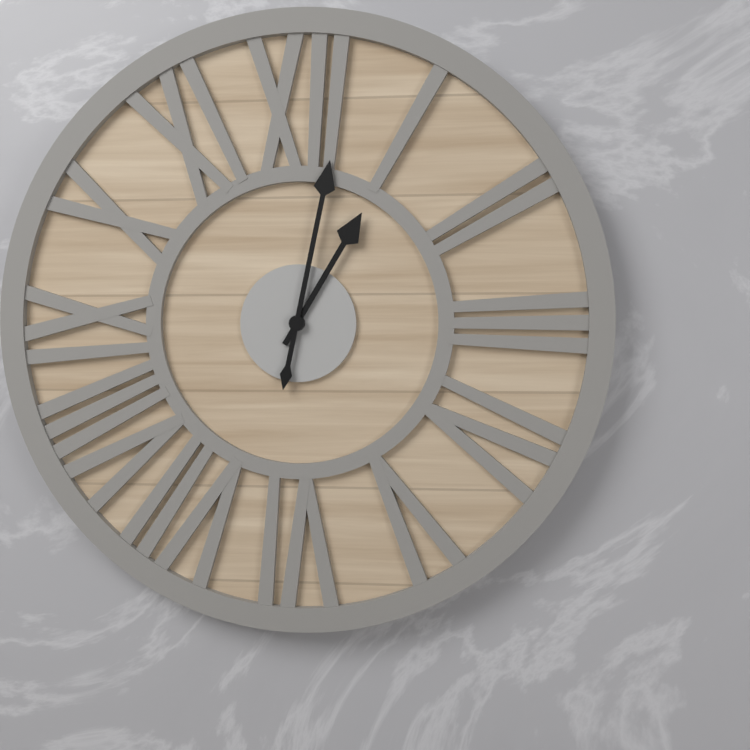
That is 1:02
